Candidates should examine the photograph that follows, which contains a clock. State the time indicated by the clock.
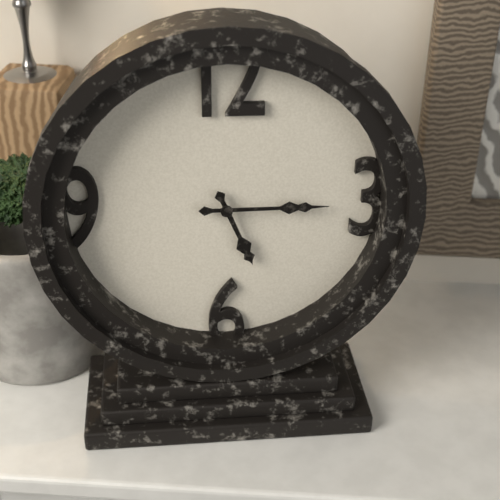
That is 5:15
